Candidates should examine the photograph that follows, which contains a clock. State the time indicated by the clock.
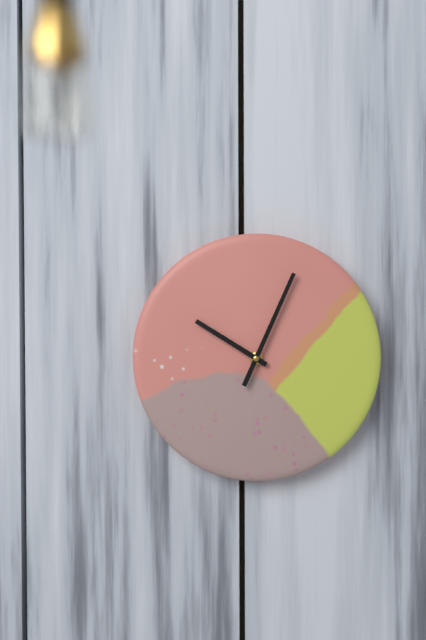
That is 10:04
